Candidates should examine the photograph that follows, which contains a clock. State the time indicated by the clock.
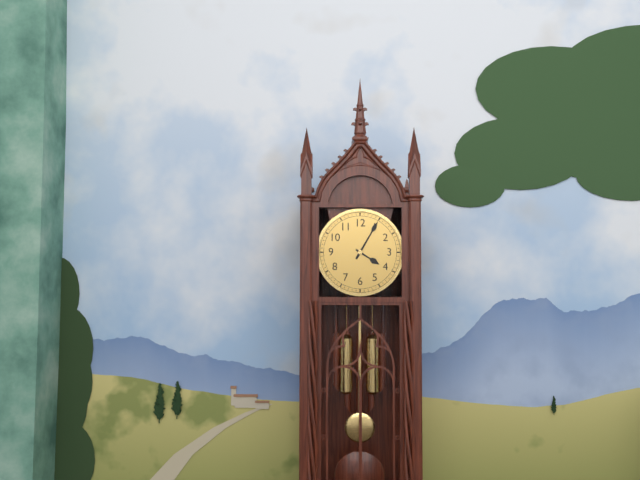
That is 4:05
